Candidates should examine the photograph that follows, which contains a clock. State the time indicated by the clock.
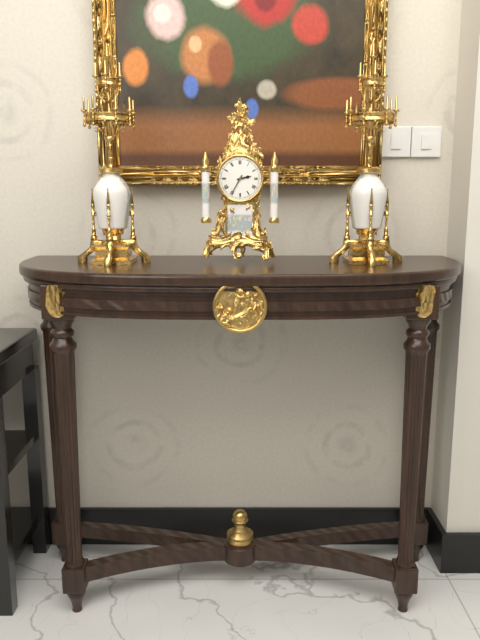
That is 2:35
